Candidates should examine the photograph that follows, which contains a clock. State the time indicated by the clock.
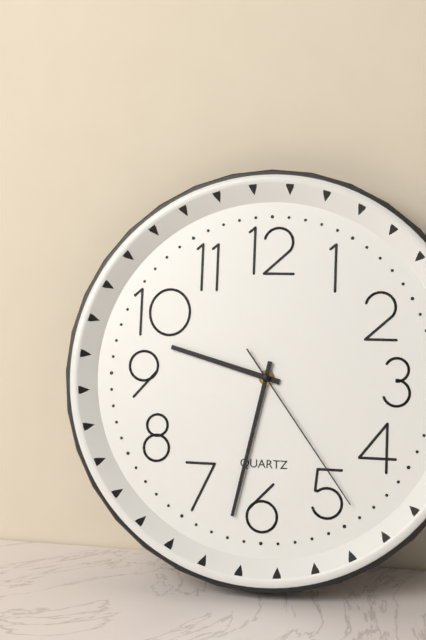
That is 9:32:24
